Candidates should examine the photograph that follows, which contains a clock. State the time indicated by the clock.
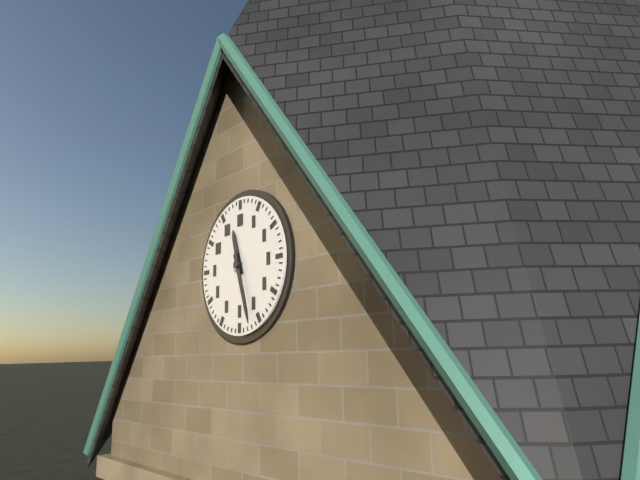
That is 11:27
